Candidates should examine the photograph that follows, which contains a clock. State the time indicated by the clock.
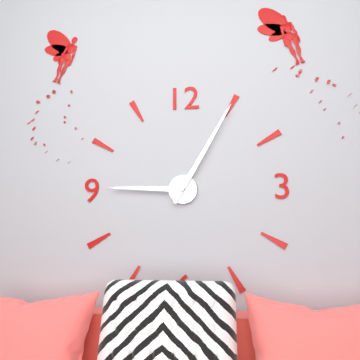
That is 9:05
